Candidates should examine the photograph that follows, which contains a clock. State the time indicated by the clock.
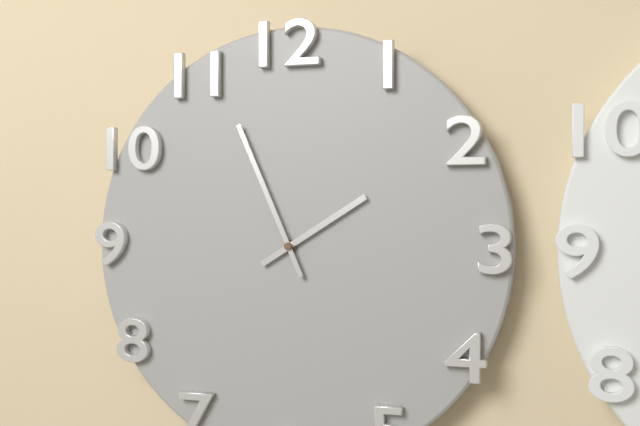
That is 1:56
